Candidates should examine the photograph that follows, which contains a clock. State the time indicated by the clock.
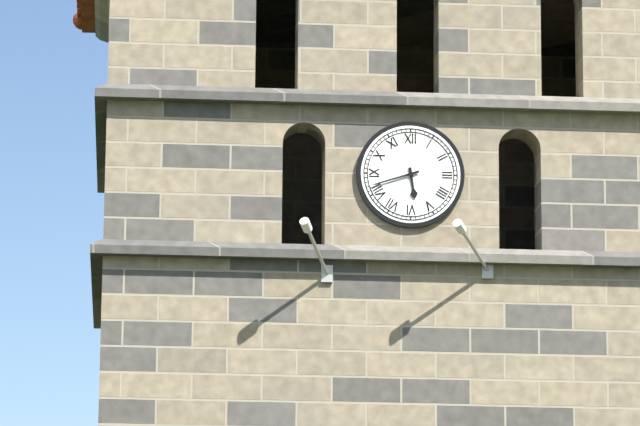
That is 5:42
